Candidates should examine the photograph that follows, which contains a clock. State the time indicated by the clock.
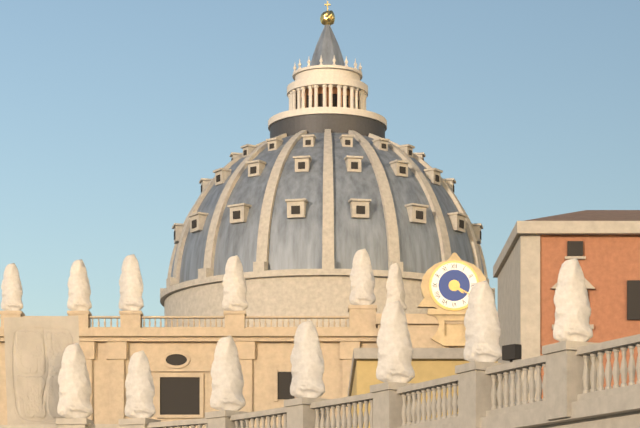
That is 4:20
